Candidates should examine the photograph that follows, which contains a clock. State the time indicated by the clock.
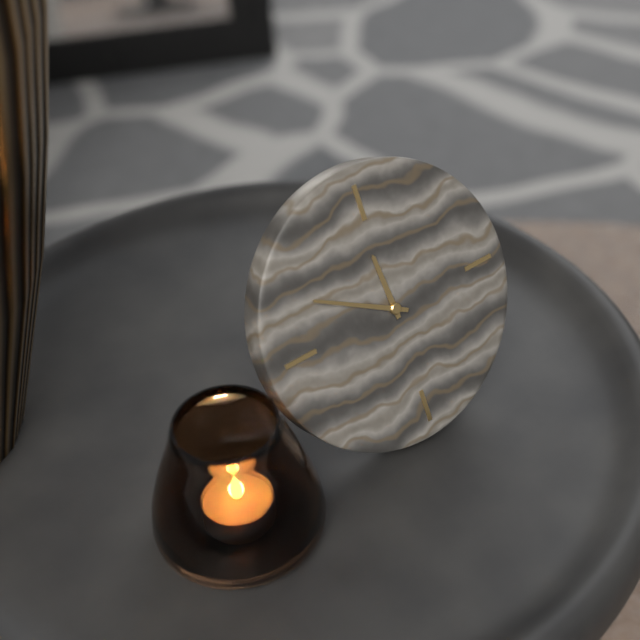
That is 11:50
